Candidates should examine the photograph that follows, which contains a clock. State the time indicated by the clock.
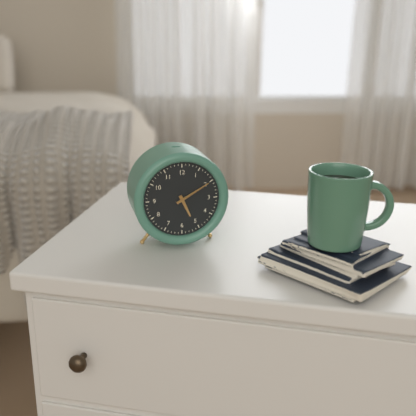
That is 5:10
